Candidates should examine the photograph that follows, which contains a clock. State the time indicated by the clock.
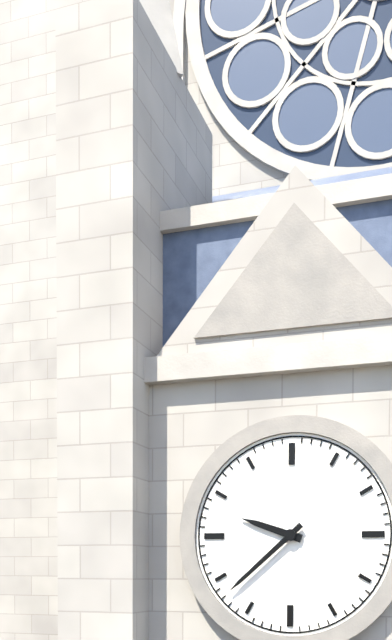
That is 9:38
